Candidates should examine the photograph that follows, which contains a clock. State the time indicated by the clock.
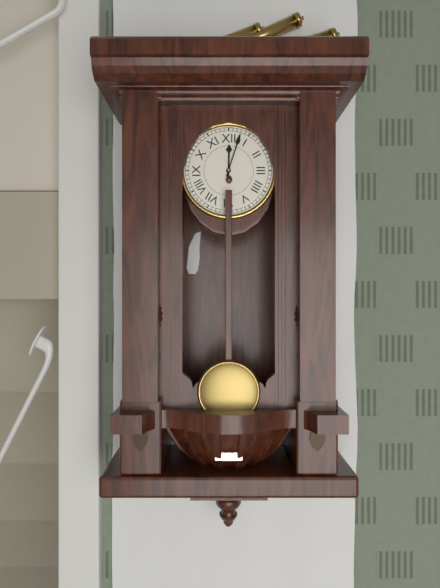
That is 12:03
